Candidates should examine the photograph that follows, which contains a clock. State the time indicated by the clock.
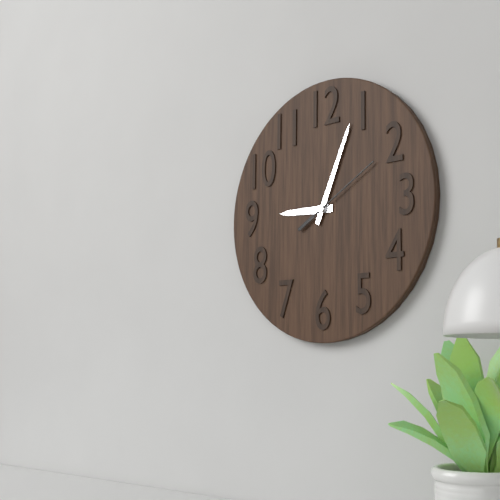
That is 9:04:10
